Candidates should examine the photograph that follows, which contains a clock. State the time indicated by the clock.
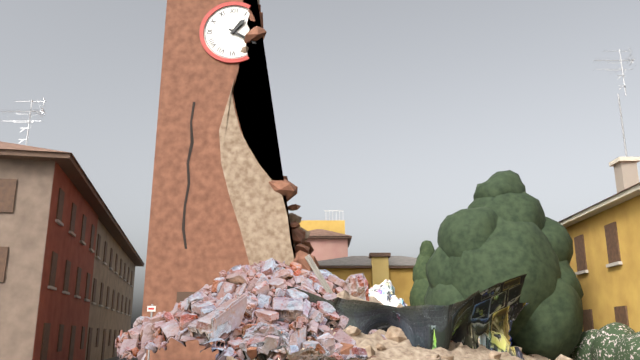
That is 1:20
